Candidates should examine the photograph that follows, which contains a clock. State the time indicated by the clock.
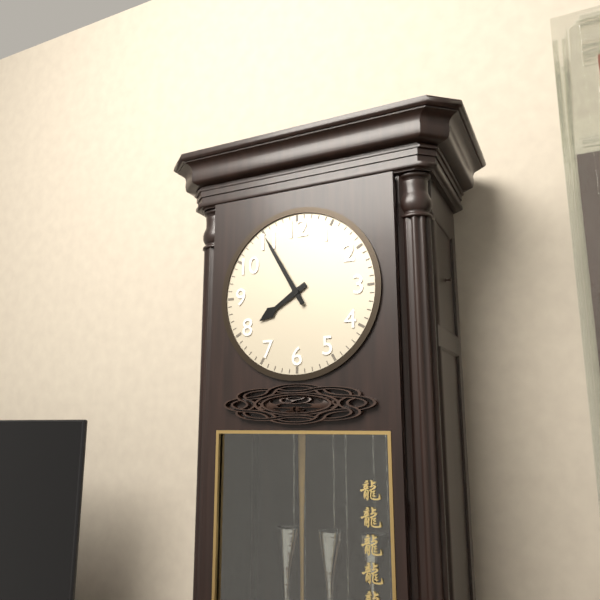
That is 7:55
